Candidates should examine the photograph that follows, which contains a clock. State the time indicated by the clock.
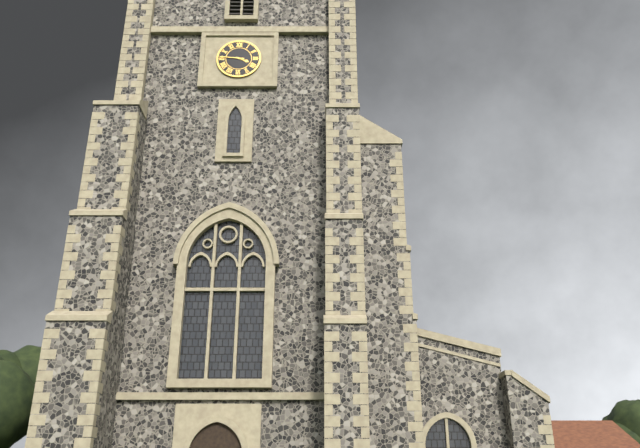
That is 3:46
